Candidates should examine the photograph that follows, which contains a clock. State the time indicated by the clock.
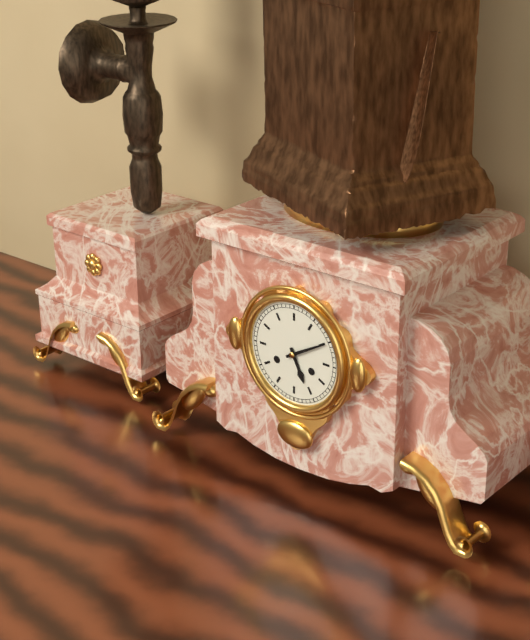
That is 5:10
